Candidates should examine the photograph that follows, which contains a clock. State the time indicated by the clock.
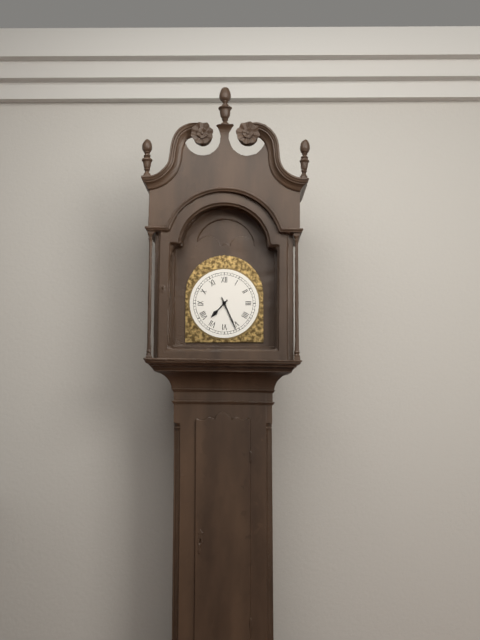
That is 7:26
